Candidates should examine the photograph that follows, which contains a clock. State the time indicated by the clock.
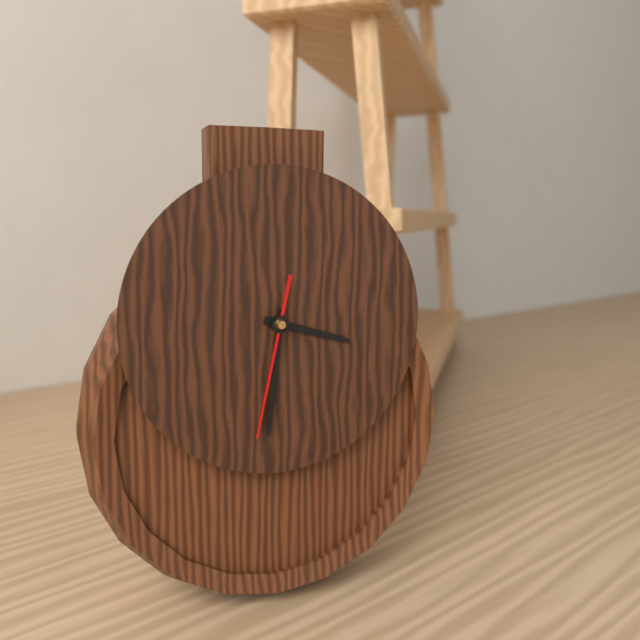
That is 3:31:32
